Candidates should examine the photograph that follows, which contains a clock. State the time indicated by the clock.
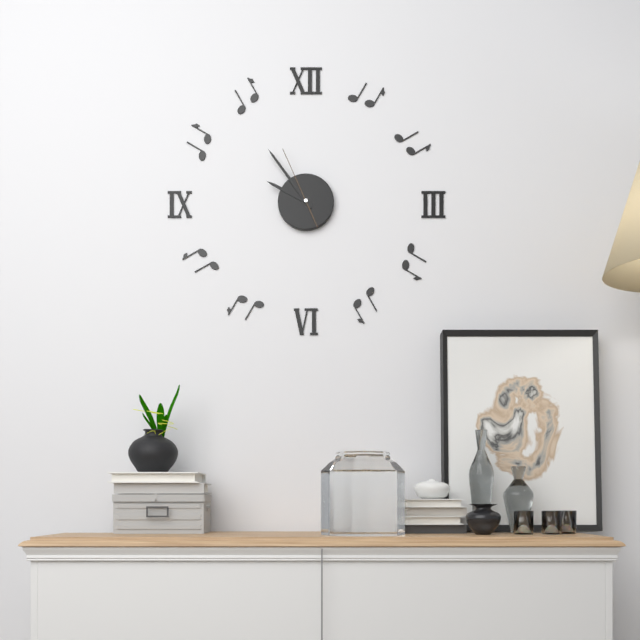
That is 9:54:56
